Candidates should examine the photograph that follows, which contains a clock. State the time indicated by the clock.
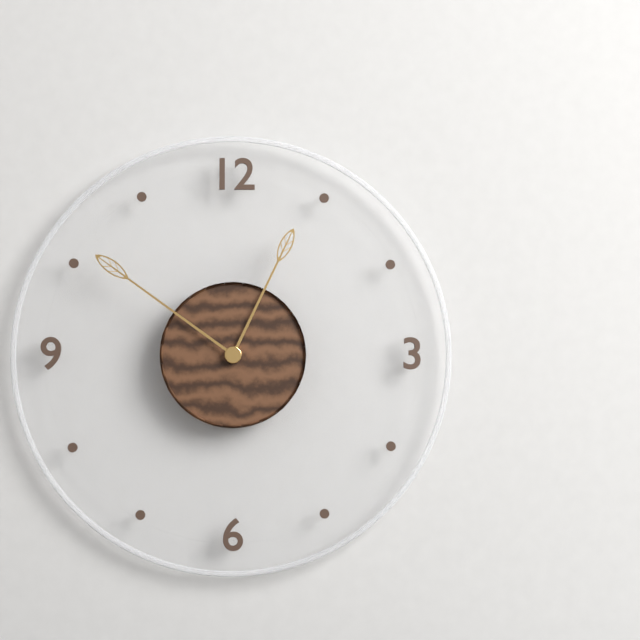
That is 12:51
